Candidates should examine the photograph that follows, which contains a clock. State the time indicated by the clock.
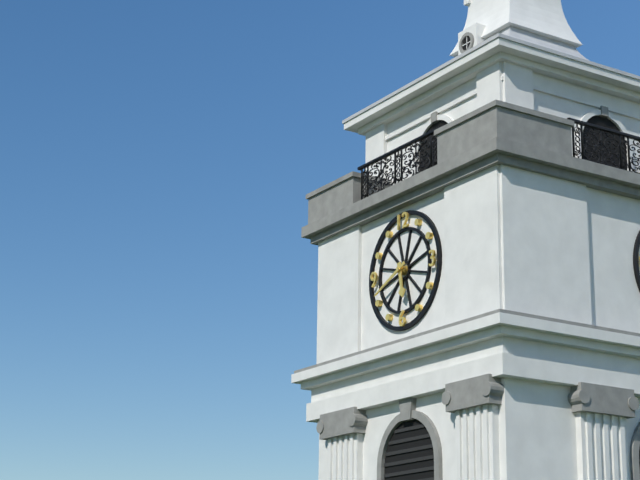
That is 5:41
